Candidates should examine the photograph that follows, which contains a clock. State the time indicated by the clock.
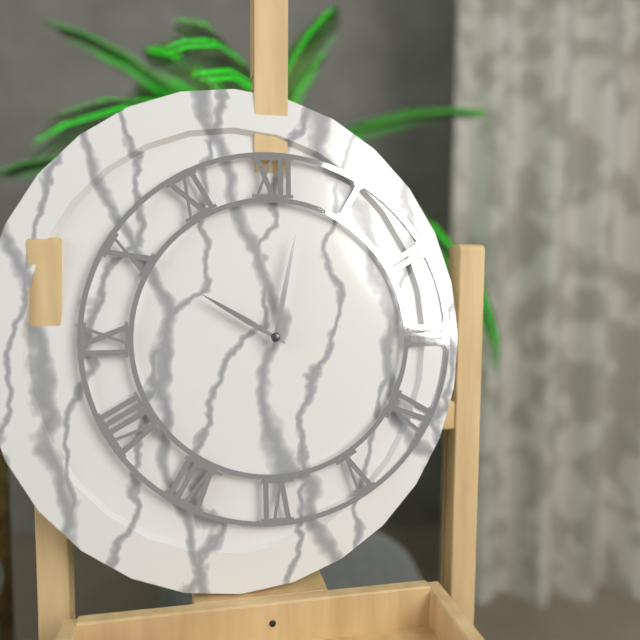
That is 10:02
